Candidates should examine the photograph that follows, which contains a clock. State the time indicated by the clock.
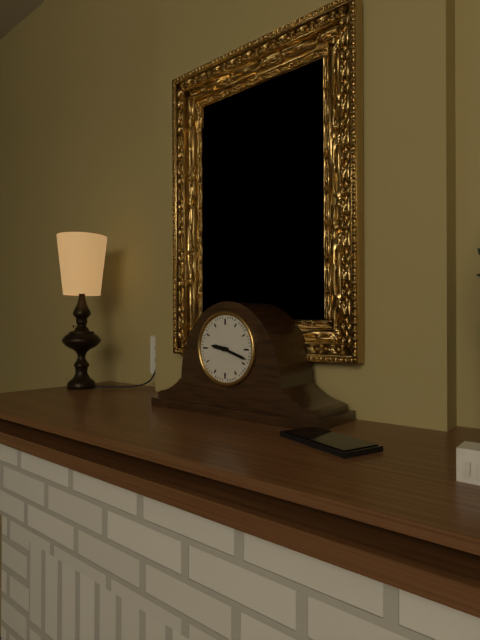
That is 9:18
